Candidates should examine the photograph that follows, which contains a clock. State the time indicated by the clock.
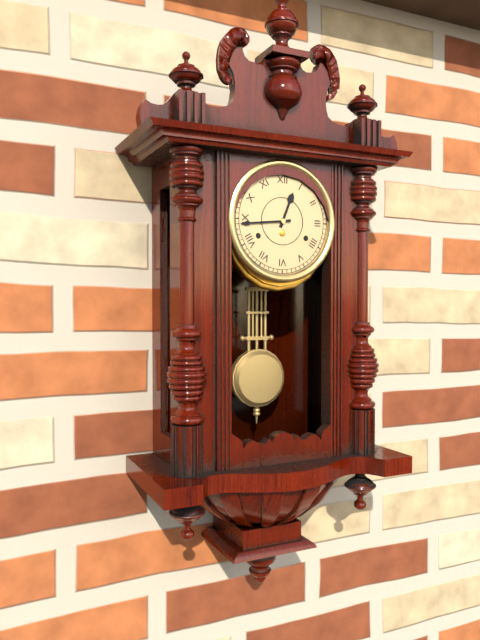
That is 12:44
